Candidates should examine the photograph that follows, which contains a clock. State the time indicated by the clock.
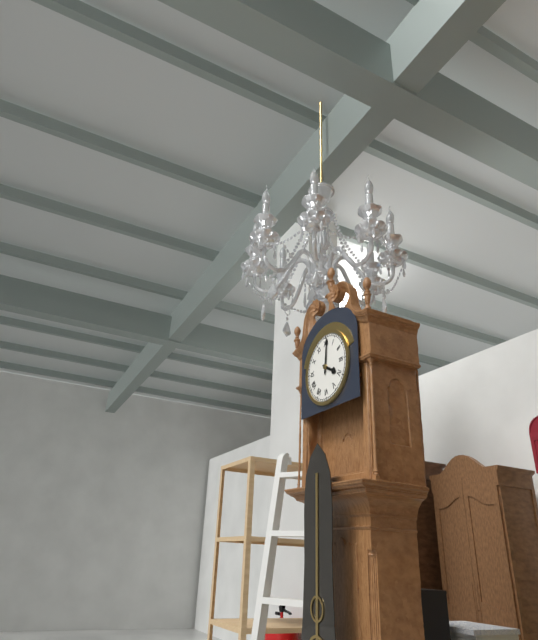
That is 4:01
